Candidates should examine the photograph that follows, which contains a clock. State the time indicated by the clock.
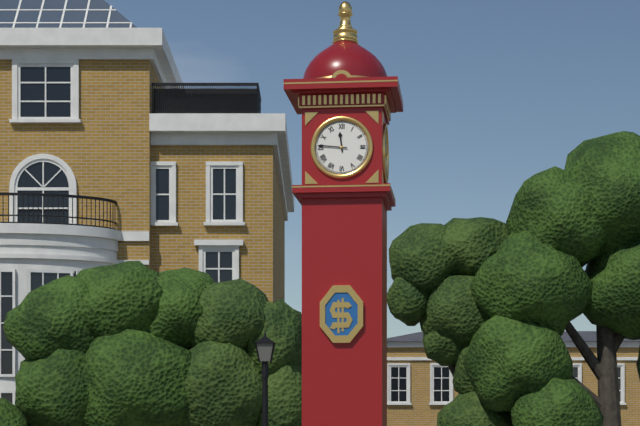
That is 11:46
